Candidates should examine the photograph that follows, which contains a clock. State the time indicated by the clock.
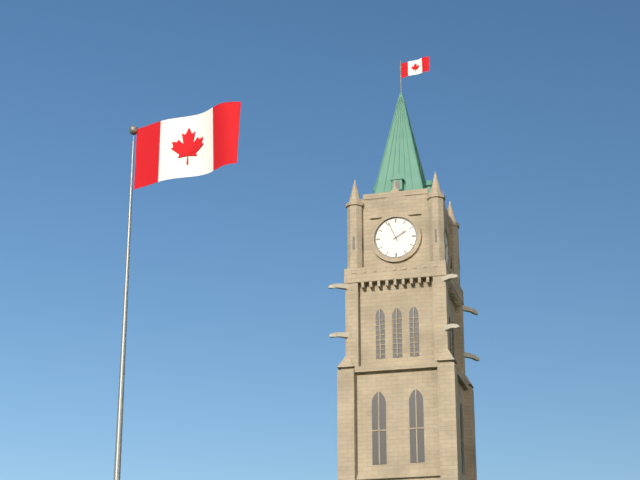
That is 1:56
